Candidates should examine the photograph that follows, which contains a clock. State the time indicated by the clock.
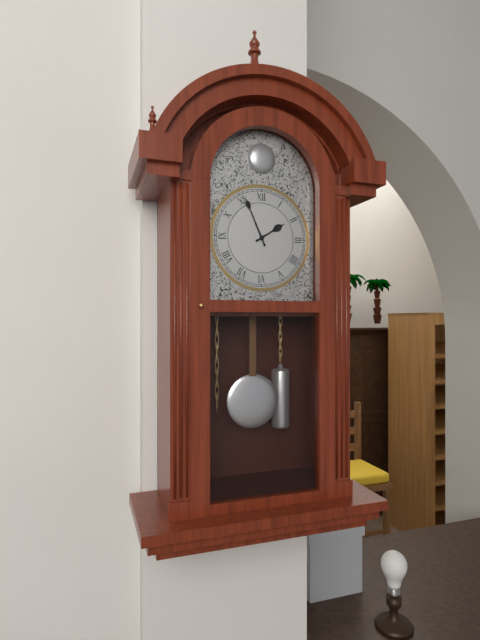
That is 1:56
